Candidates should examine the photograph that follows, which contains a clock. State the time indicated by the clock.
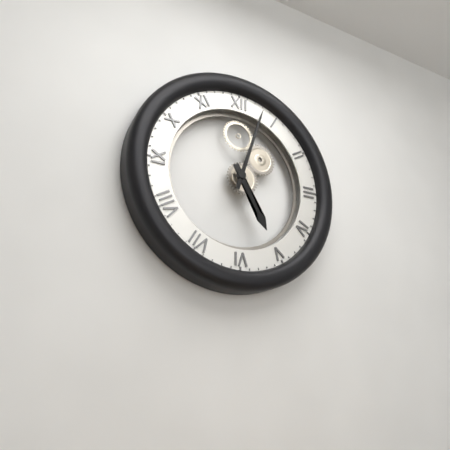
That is 5:03
